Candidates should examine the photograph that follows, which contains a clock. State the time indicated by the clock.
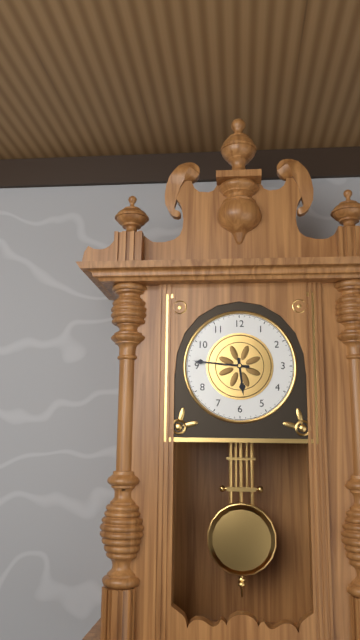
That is 5:46
